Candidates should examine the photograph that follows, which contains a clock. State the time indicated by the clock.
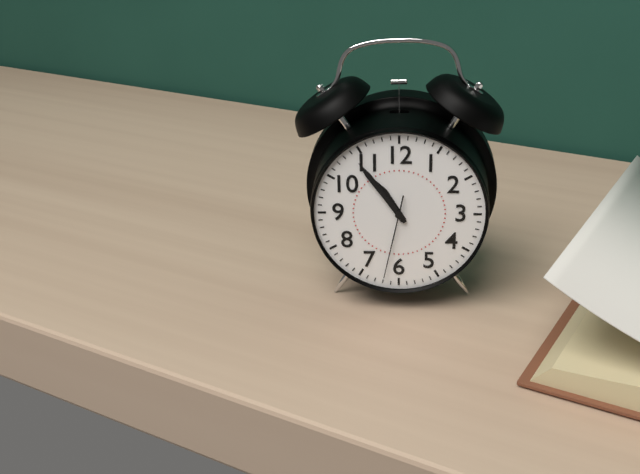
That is 10:54:32
